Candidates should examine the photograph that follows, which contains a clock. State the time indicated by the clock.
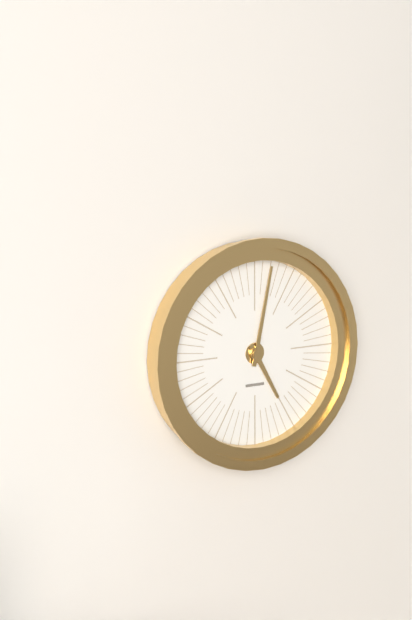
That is 5:02
